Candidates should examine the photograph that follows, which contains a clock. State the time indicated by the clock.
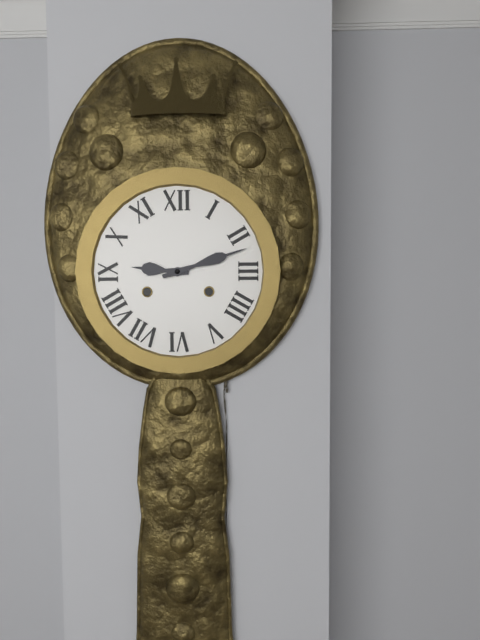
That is 9:12
